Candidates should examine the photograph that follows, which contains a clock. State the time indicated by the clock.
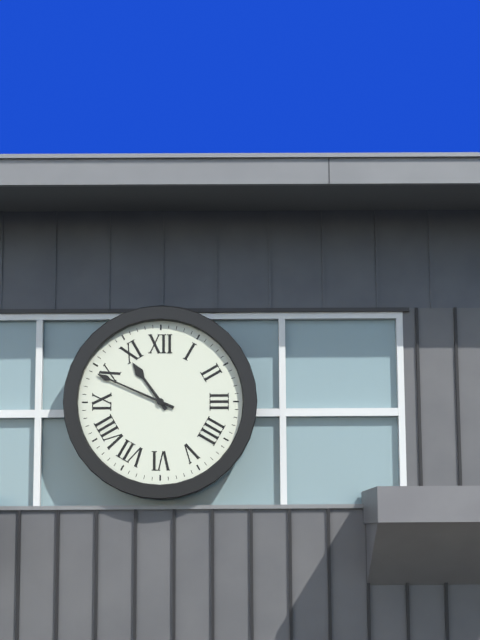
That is 10:49
